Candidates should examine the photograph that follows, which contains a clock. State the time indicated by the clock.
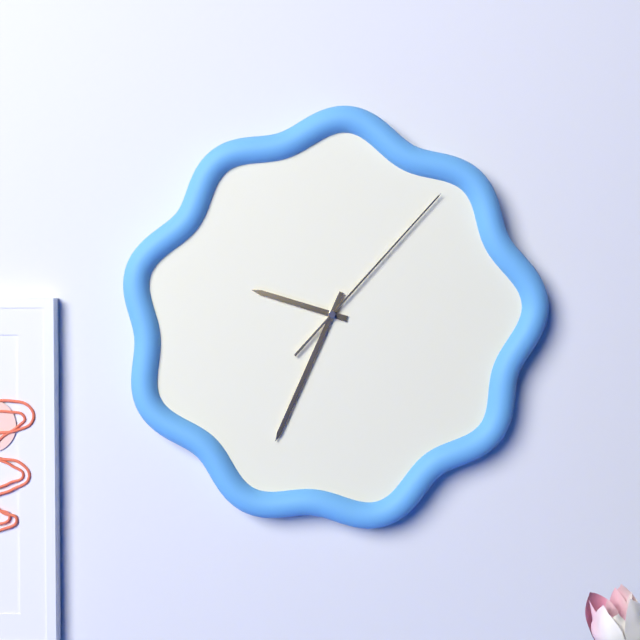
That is 9:34:07
